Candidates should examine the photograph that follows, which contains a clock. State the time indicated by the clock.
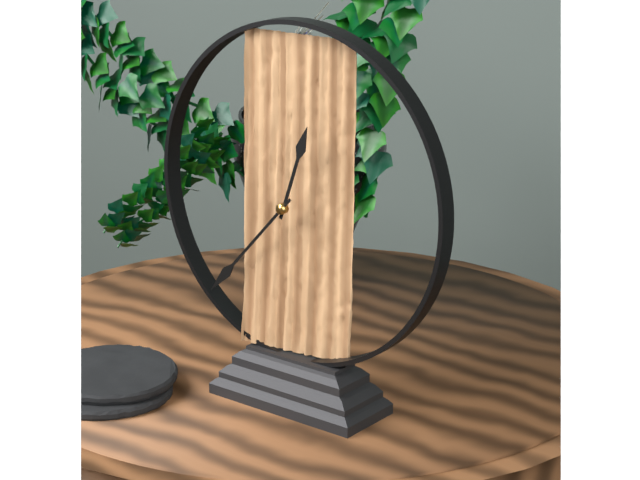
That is 12:37
